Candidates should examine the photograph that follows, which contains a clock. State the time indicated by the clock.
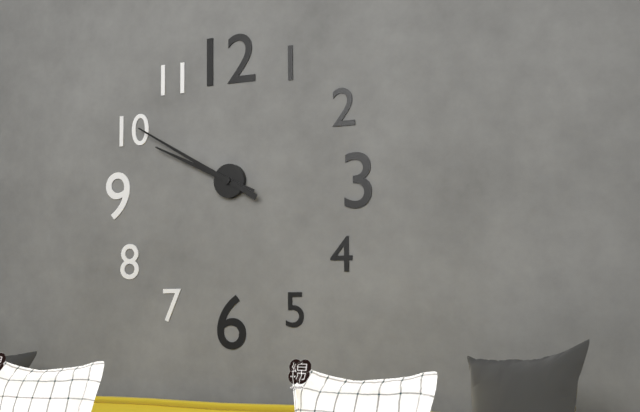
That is 9:50
